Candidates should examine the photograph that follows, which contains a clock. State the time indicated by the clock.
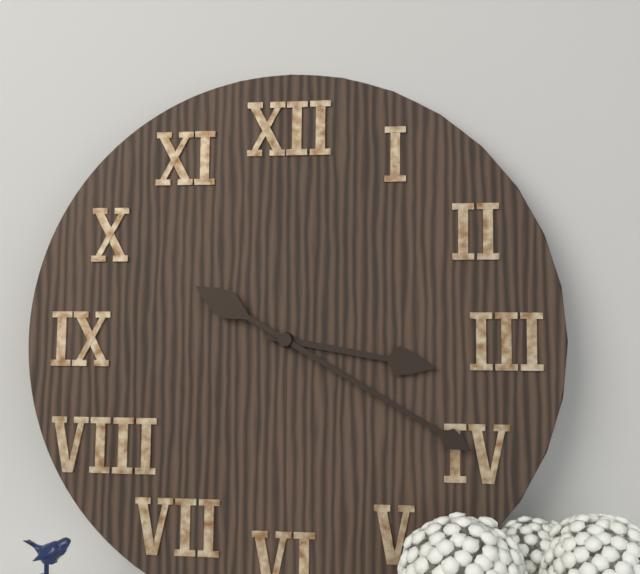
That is 3:20
